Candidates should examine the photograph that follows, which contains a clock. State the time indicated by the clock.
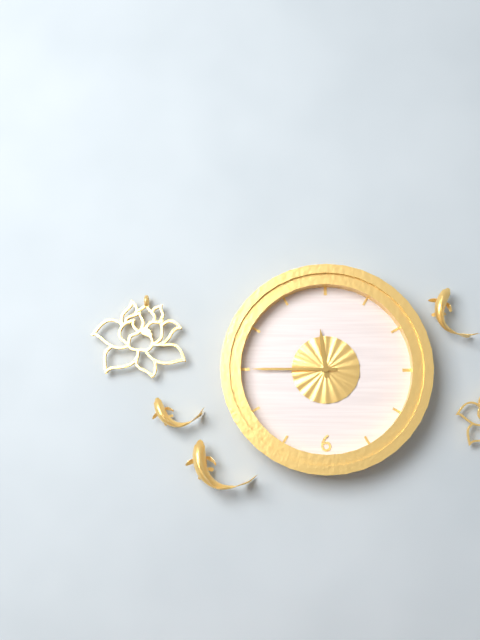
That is 11:45
